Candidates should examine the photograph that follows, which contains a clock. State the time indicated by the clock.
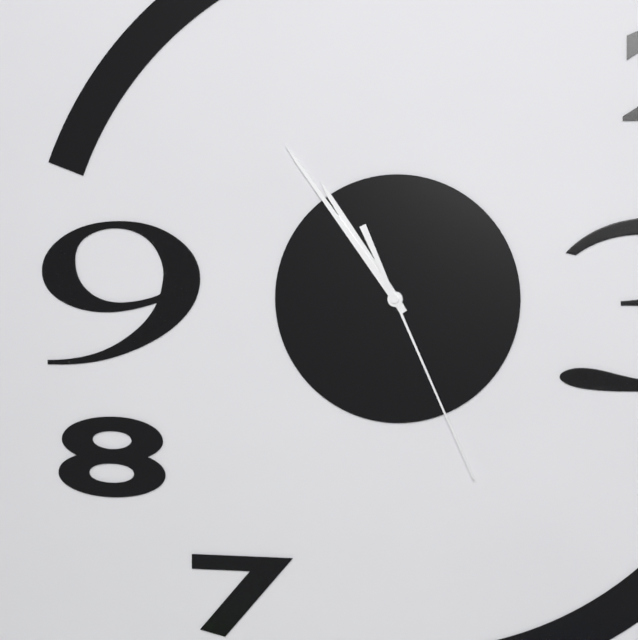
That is 10:54:26
